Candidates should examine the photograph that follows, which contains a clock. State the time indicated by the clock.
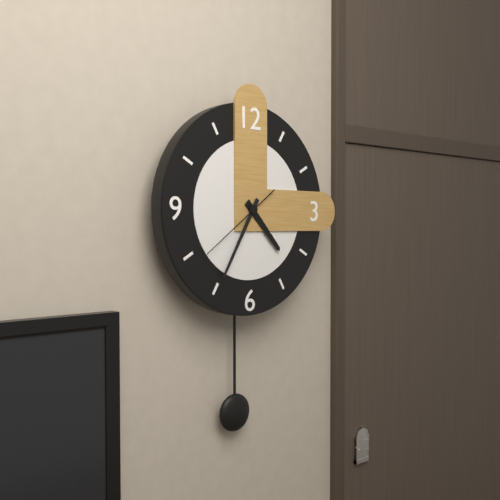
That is 4:35:39
